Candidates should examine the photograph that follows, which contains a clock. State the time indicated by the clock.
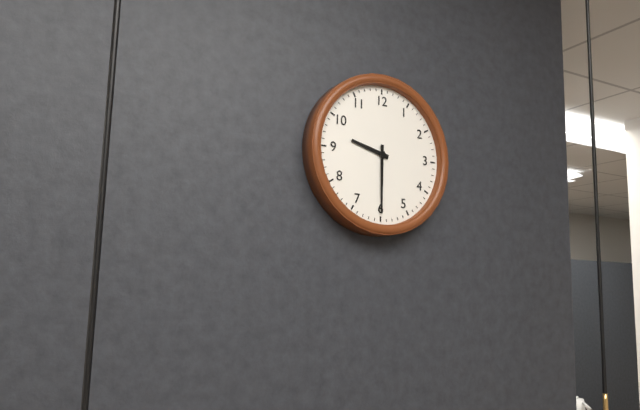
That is 9:30
